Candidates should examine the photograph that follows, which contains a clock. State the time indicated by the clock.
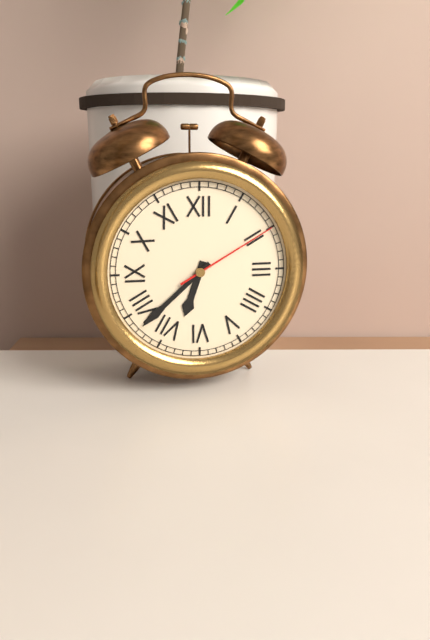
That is 6:38:10
